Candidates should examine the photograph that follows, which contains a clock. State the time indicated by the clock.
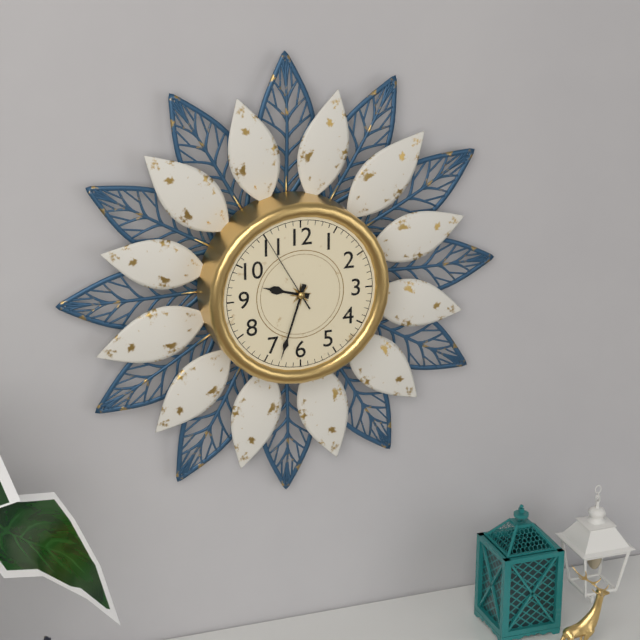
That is 9:33:55
